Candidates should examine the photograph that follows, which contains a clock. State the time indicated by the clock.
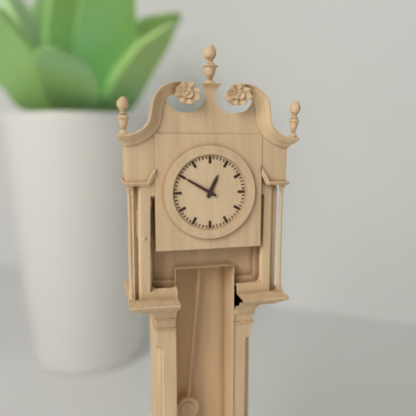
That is 12:50
